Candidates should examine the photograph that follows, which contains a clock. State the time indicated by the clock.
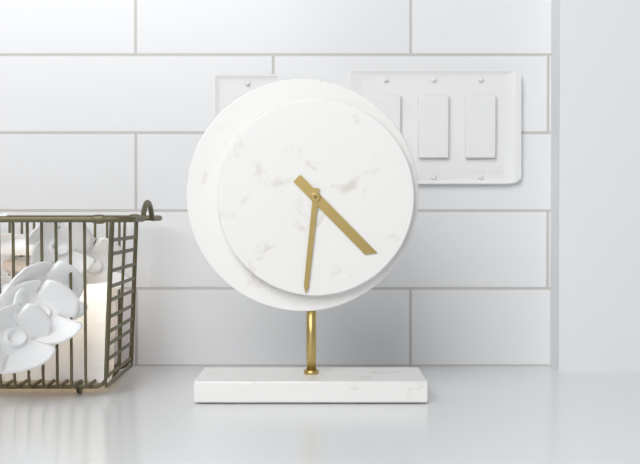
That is 4:31
